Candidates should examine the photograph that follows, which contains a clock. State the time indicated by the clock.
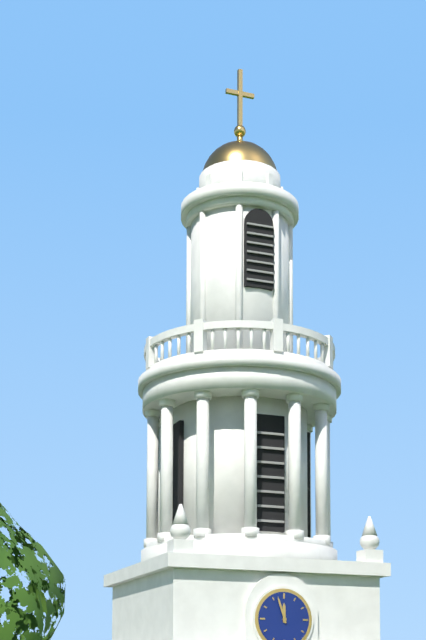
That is 11:57
